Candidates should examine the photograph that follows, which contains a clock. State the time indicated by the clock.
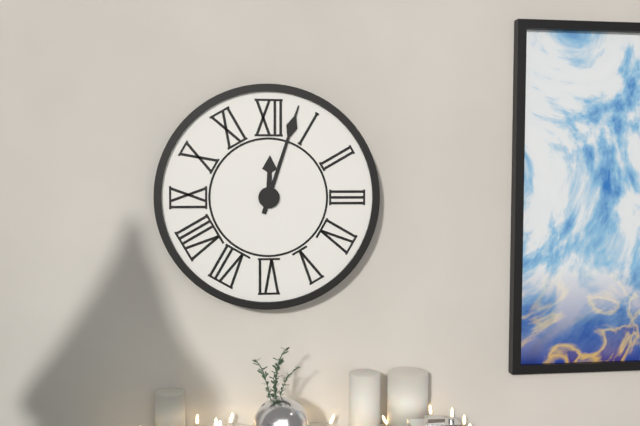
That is 12:03
